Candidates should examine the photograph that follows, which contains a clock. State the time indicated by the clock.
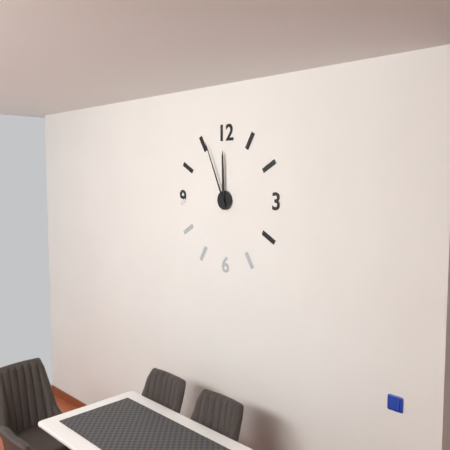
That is 11:56
